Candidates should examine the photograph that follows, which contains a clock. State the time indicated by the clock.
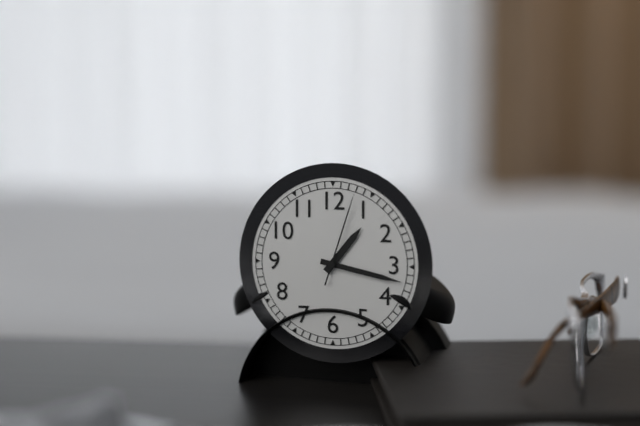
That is 1:17:03
